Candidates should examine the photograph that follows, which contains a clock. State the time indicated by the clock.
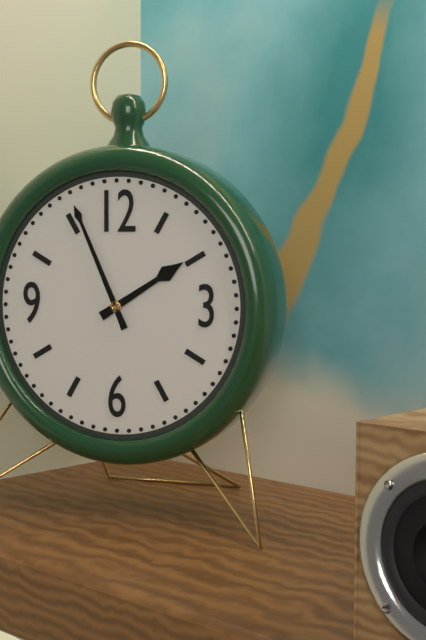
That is 1:56
